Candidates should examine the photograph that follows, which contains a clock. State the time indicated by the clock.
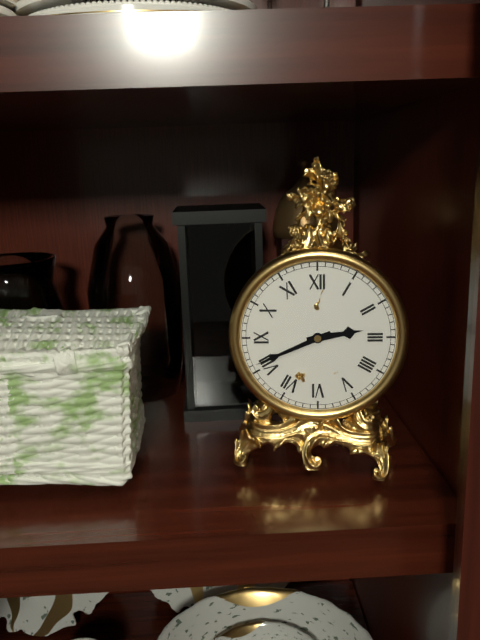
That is 2:41
